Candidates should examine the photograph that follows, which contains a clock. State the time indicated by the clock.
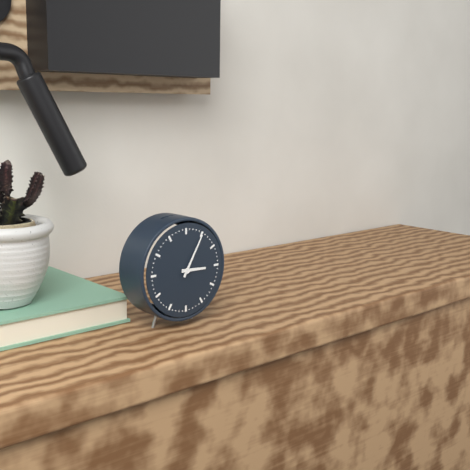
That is 3:05
